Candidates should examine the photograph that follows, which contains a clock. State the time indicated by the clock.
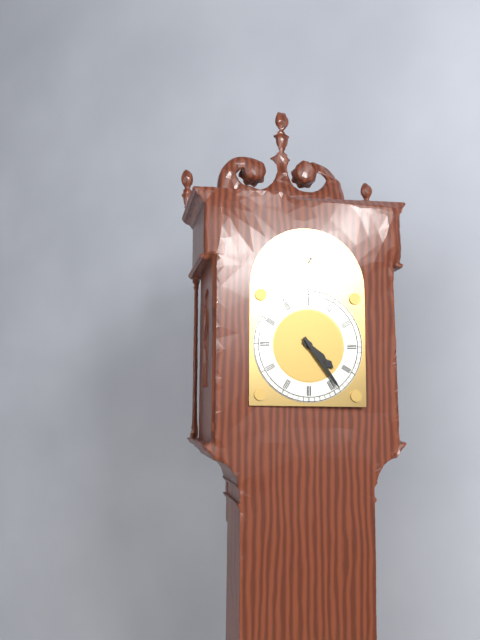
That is 4:24
